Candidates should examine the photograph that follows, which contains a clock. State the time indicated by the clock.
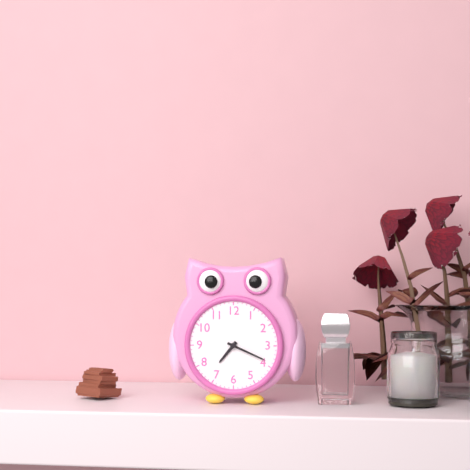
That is 7:19
